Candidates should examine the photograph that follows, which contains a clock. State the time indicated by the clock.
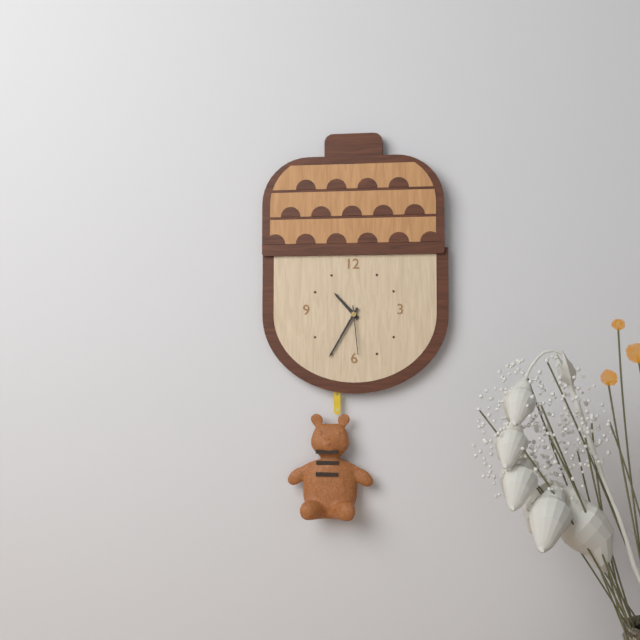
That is 10:35:29
